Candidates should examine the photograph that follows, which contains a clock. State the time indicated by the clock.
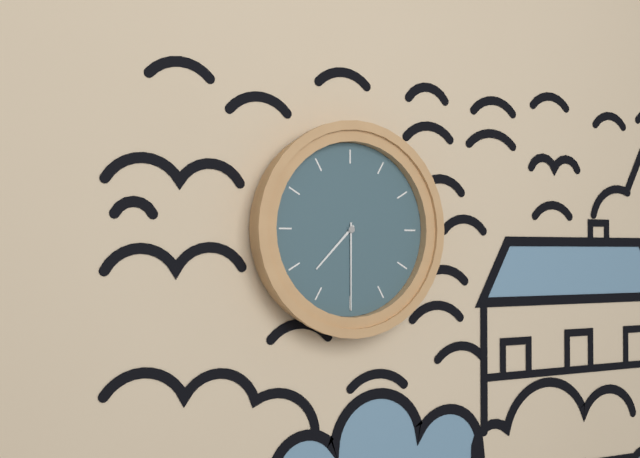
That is 7:30
